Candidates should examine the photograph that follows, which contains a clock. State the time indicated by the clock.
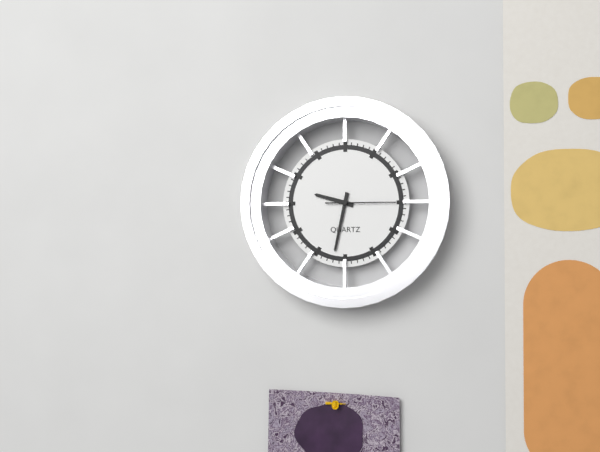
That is 9:32:15
